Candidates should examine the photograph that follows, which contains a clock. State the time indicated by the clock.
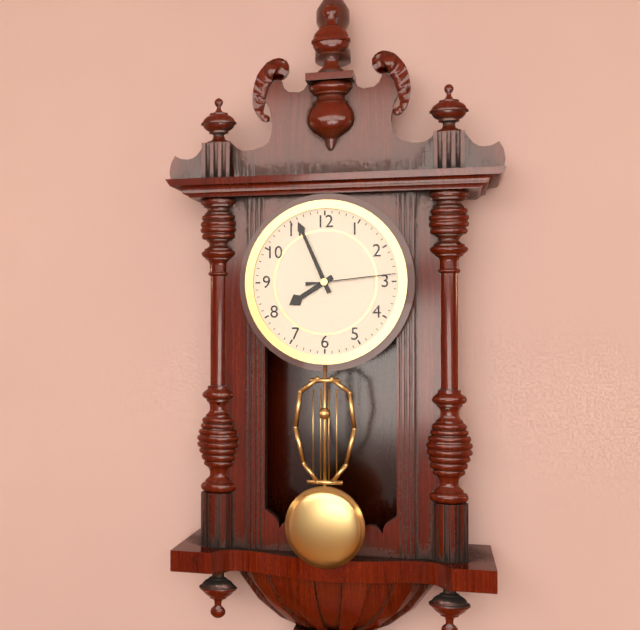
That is 7:56:14
